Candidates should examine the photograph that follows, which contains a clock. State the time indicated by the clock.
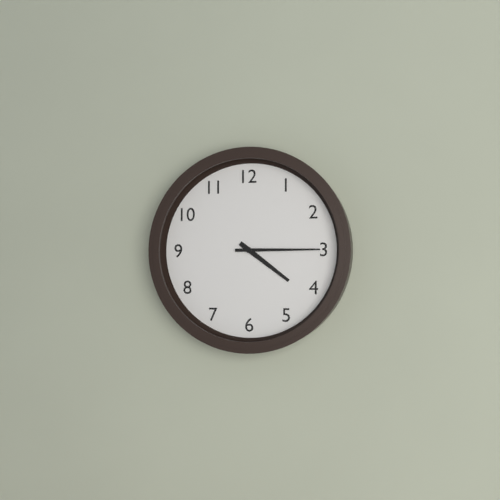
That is 4:15
